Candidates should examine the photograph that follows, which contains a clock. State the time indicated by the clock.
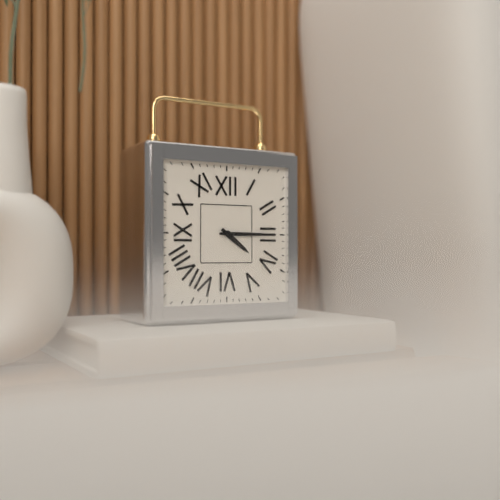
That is 4:15
